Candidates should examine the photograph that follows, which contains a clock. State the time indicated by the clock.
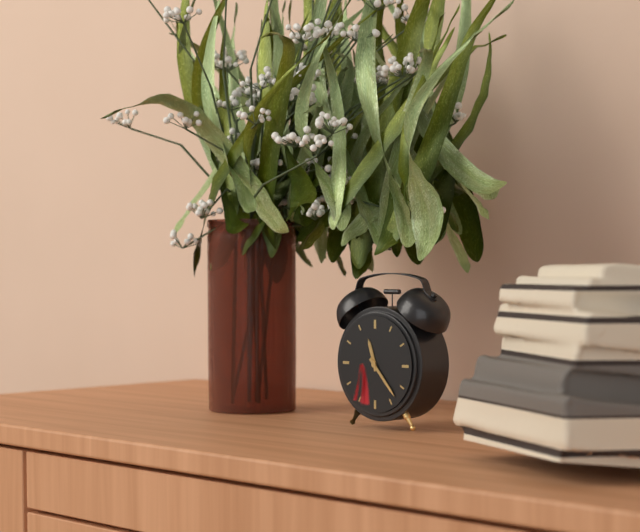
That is 11:23
